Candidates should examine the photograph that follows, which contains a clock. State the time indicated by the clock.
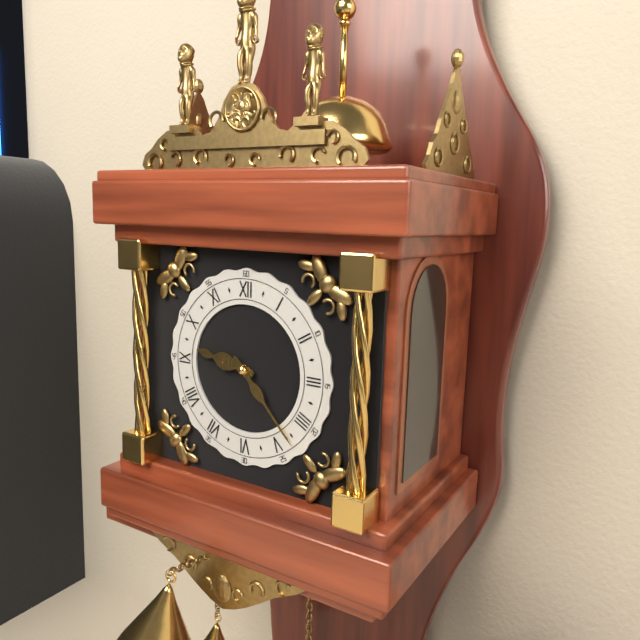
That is 9:23
